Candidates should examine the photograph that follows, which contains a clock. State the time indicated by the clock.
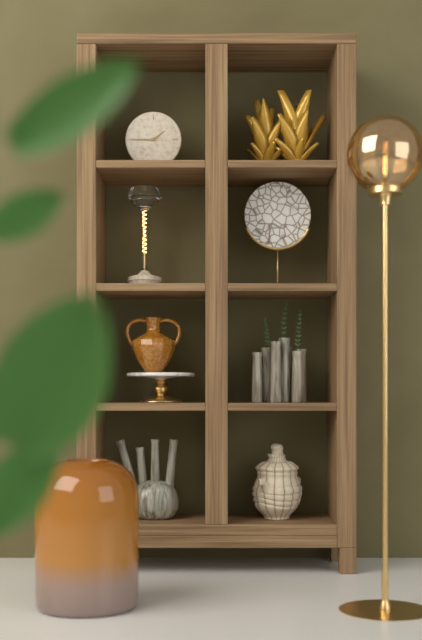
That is 1:45
